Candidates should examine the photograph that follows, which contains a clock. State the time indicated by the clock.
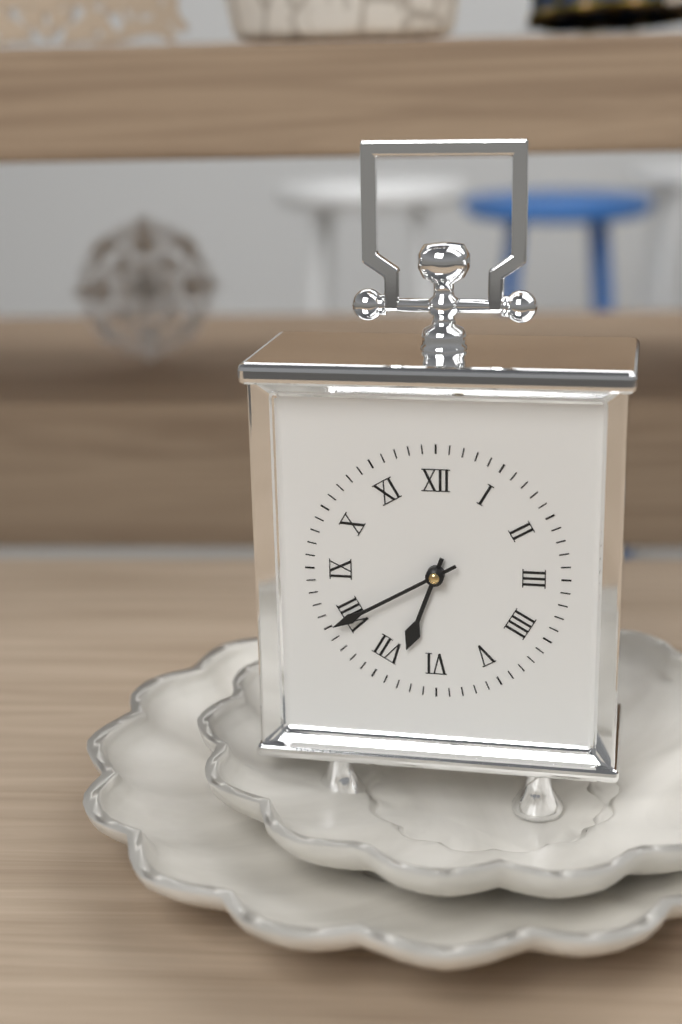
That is 6:40
